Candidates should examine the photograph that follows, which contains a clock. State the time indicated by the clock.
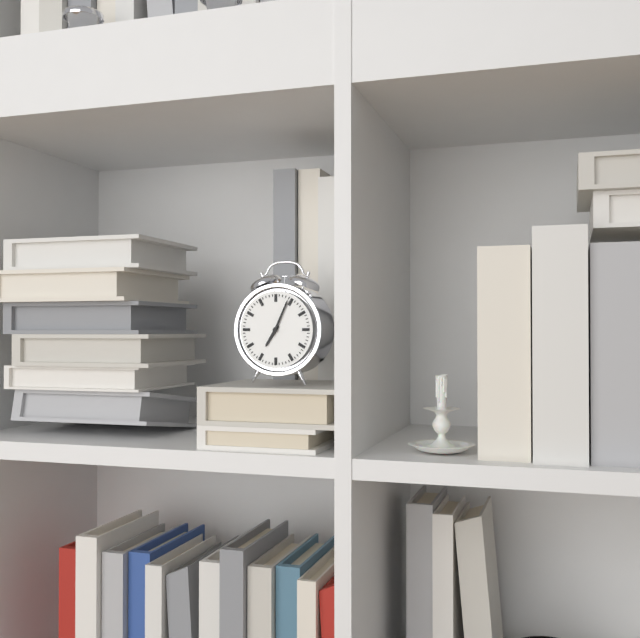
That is 7:04
